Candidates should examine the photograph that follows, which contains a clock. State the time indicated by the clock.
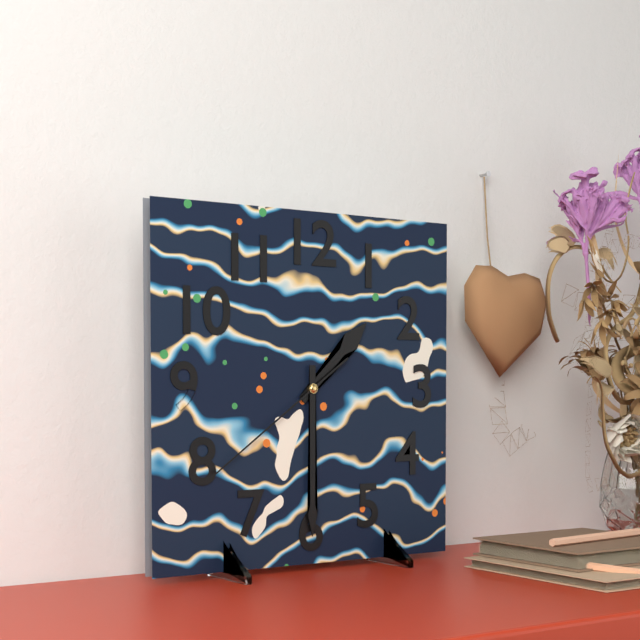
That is 1:30:39
